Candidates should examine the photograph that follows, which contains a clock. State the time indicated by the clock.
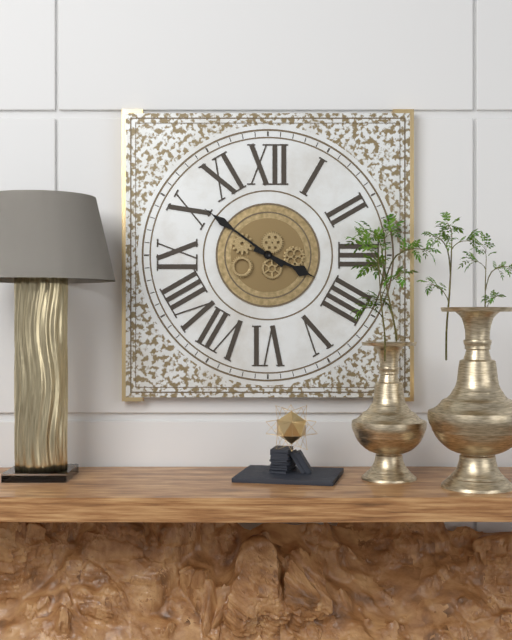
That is 3:51
